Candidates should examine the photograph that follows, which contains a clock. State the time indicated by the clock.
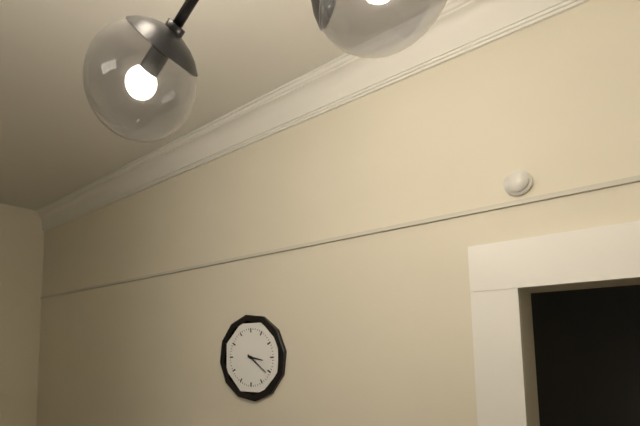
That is 3:21
